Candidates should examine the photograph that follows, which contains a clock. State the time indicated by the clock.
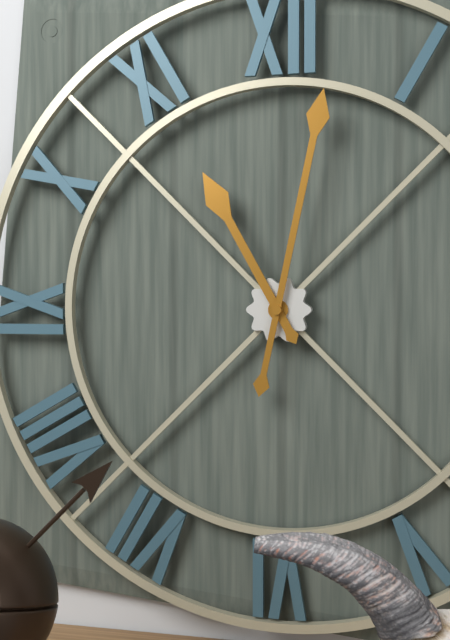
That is 11:02
